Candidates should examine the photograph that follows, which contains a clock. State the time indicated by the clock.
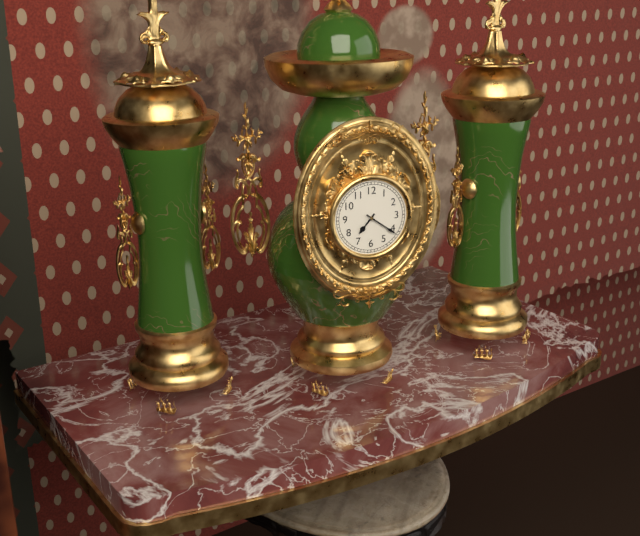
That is 7:21
